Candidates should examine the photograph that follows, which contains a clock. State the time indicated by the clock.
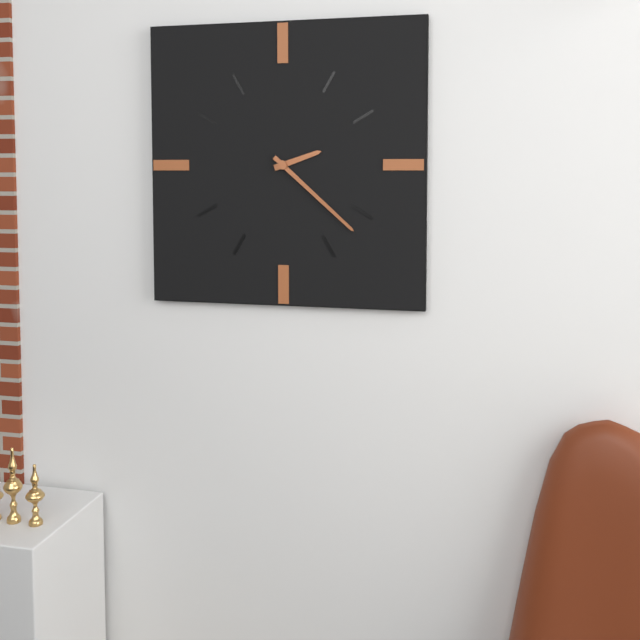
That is 2:22
